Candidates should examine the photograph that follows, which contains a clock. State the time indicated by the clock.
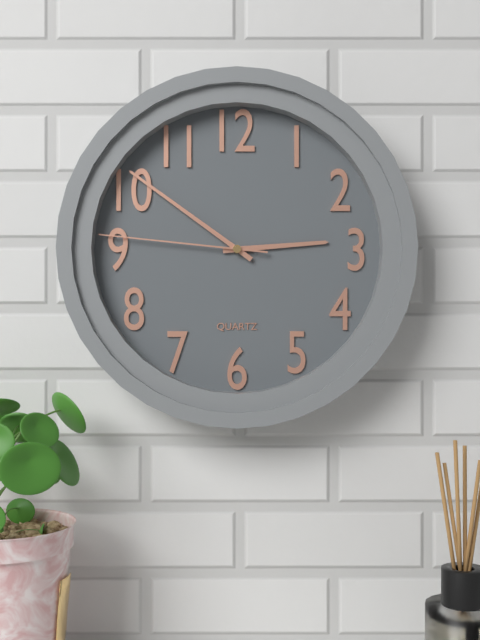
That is 2:51:46
